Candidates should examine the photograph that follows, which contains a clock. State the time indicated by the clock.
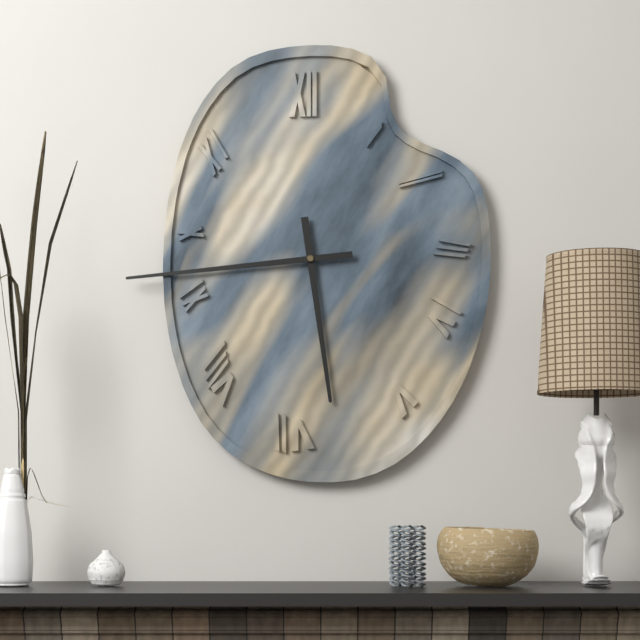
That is 5:44
